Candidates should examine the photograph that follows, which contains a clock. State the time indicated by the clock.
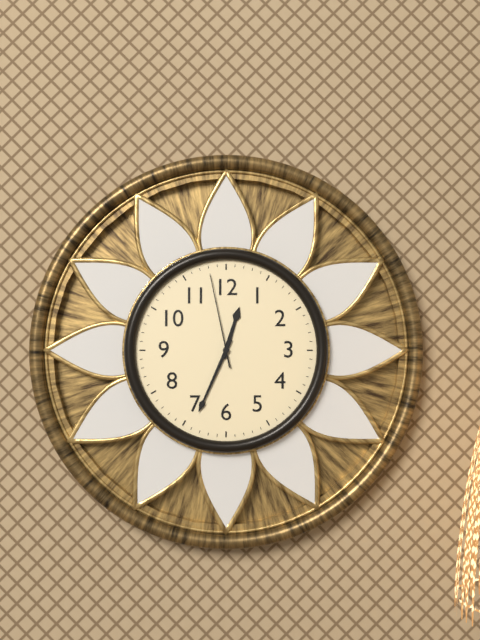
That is 12:34:58
